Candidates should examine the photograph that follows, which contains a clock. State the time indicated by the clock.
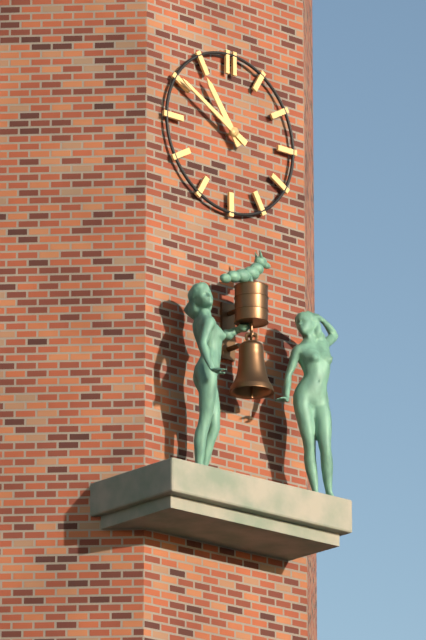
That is 10:50
